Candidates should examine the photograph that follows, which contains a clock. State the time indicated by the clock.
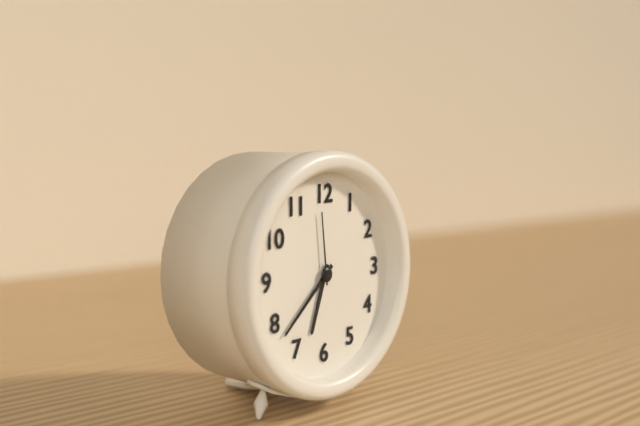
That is 6:38:59
